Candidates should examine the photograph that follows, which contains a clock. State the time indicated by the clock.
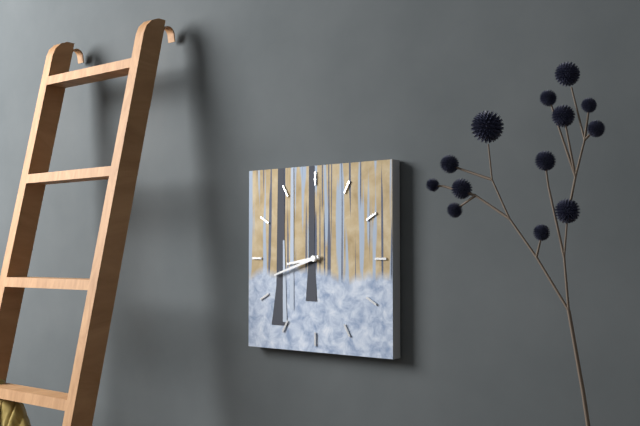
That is 8:42
